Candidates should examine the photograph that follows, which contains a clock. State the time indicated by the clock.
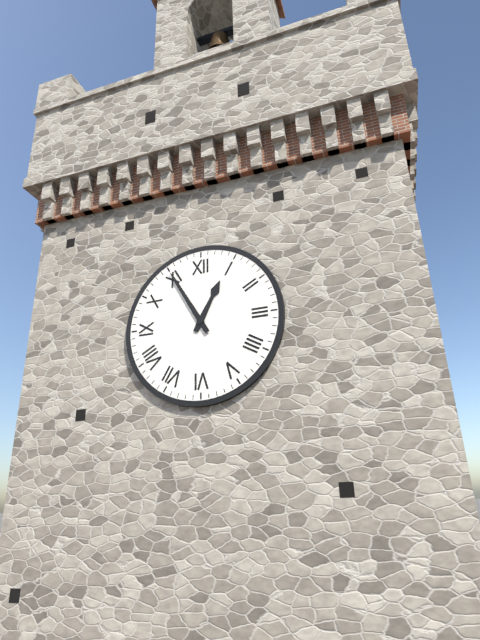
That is 12:55
